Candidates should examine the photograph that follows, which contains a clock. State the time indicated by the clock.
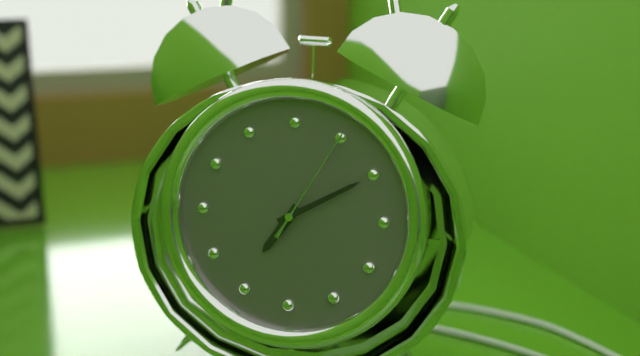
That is 7:10:05
